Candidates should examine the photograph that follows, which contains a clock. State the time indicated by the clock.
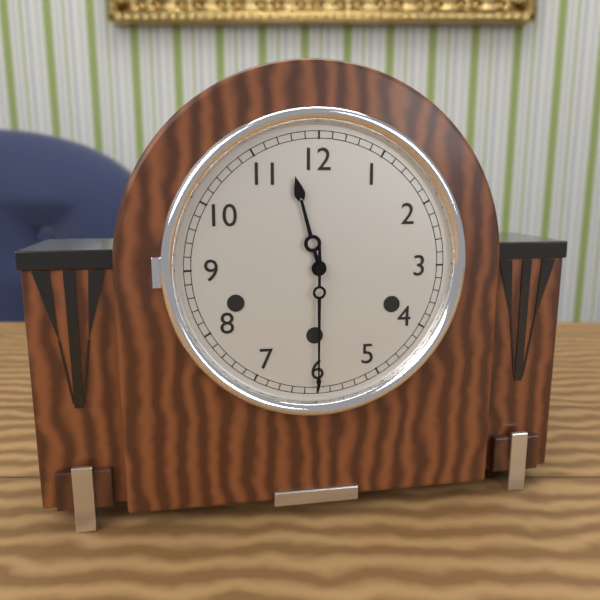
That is 11:30
